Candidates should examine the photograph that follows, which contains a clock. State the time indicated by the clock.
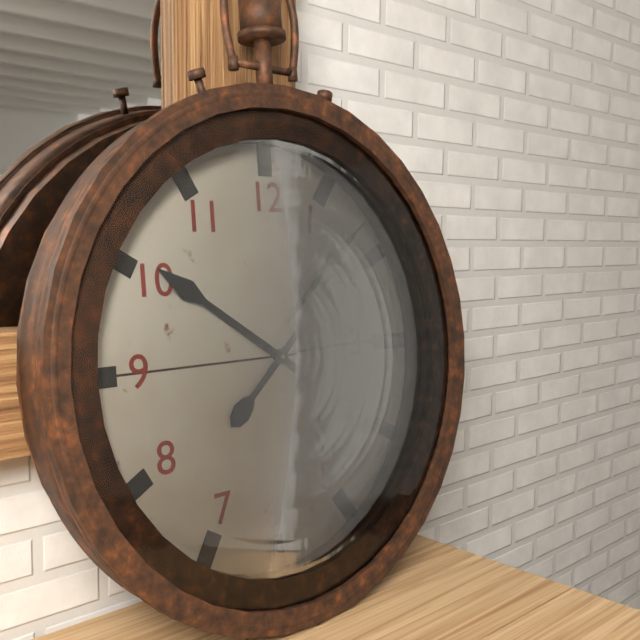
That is 10:08
